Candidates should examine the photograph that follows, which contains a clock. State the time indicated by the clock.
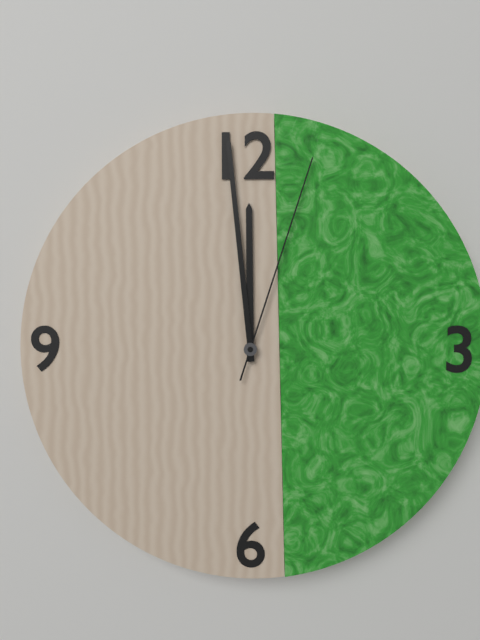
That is 11:59:03
